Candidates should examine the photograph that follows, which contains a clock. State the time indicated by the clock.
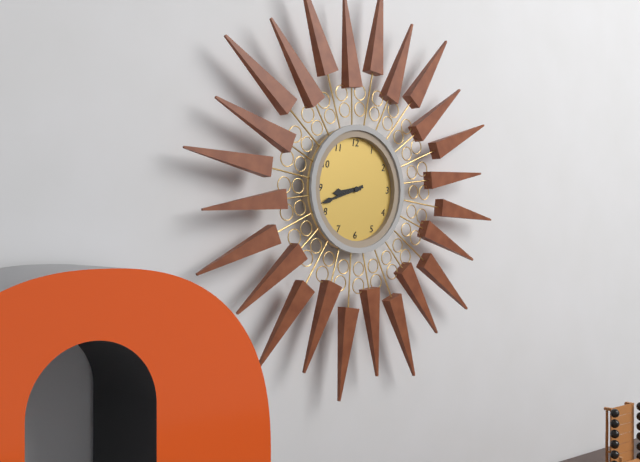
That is 8:42
